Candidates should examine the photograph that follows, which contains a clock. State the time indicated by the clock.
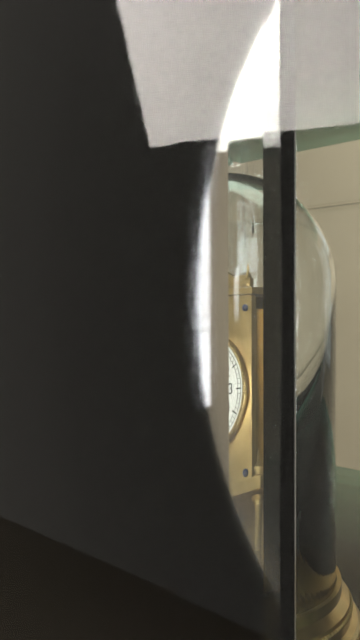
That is 8:45
